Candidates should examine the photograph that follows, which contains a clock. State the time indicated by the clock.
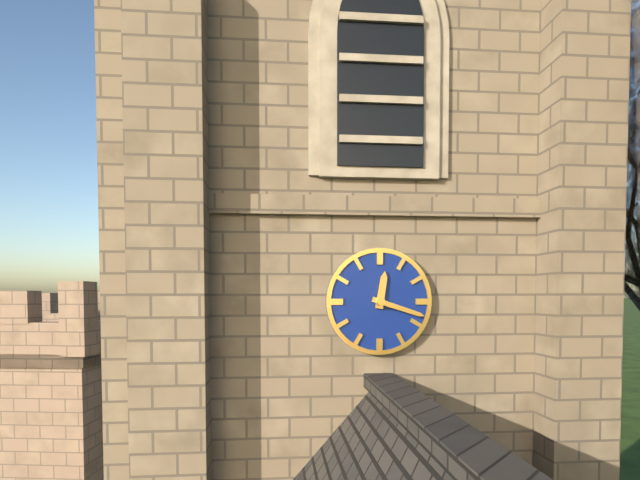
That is 12:18
